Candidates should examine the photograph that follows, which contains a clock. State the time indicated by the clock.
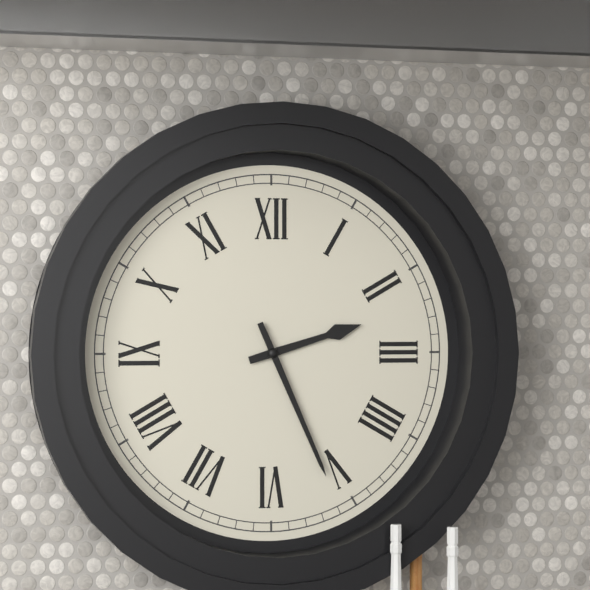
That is 2:26
